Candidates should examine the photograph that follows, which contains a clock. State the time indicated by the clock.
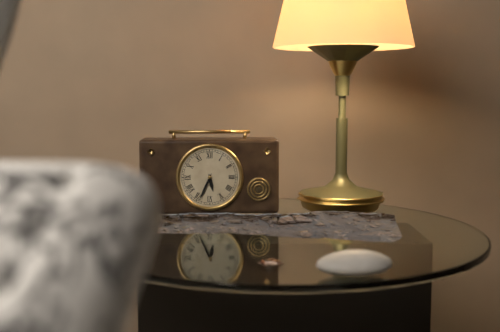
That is 5:34
